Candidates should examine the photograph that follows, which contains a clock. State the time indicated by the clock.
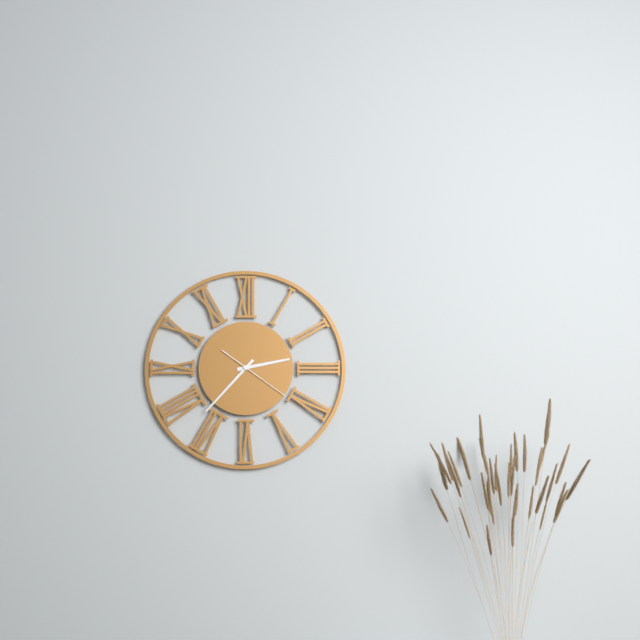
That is 2:37:21
